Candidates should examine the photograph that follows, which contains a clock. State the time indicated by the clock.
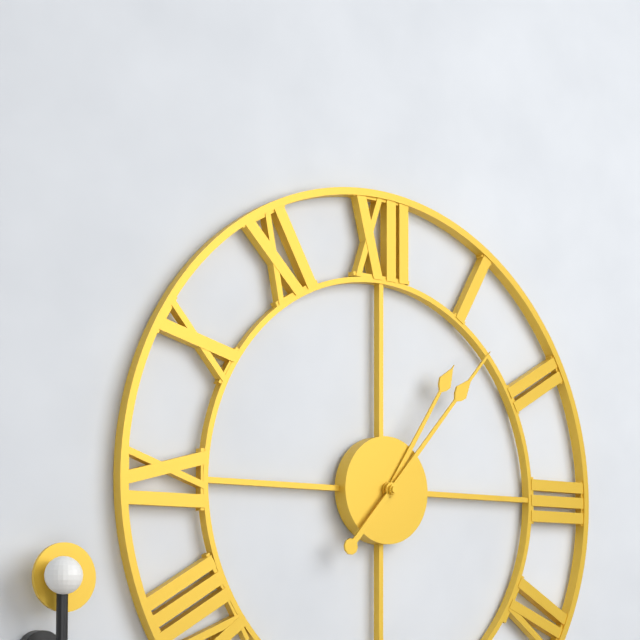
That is 1:07
